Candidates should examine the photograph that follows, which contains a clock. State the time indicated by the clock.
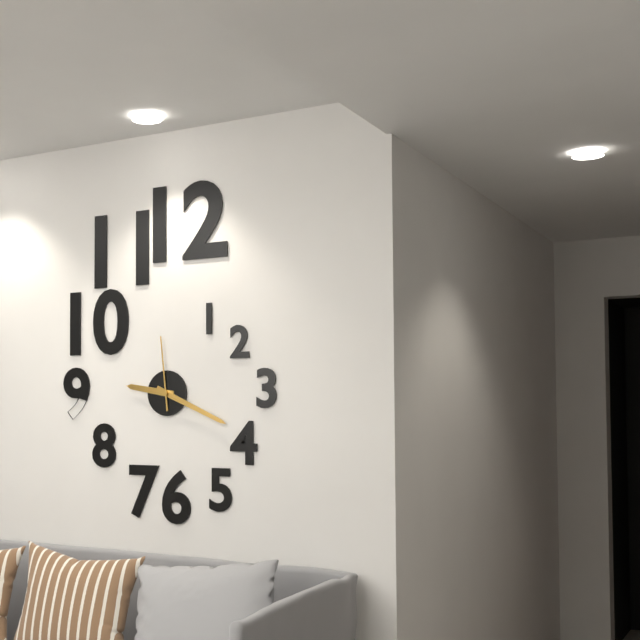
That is 9:19:59
